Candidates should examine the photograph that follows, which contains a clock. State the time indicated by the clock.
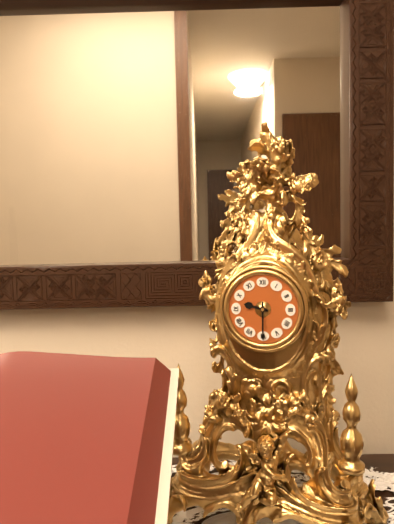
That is 9:30
